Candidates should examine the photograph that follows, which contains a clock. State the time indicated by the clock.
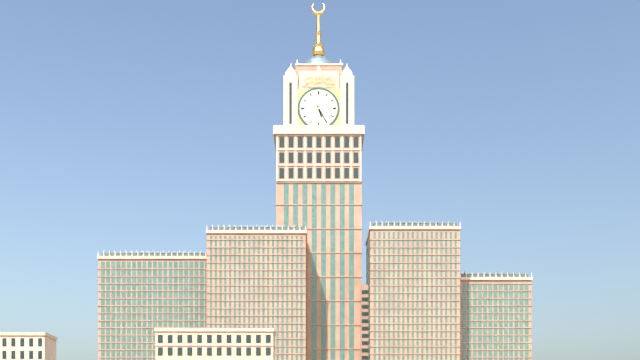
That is 5:25
